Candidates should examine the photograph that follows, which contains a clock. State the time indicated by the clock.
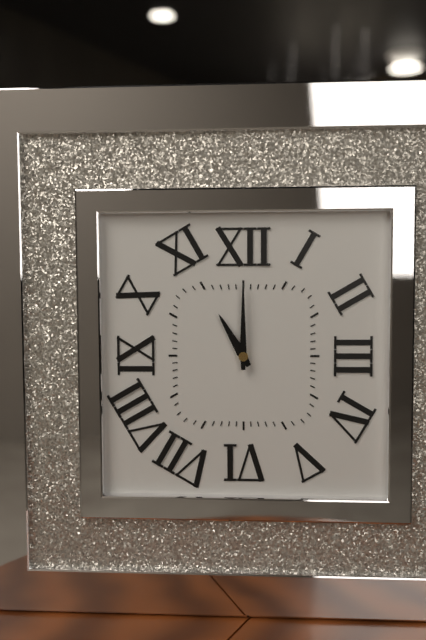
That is 11:00
